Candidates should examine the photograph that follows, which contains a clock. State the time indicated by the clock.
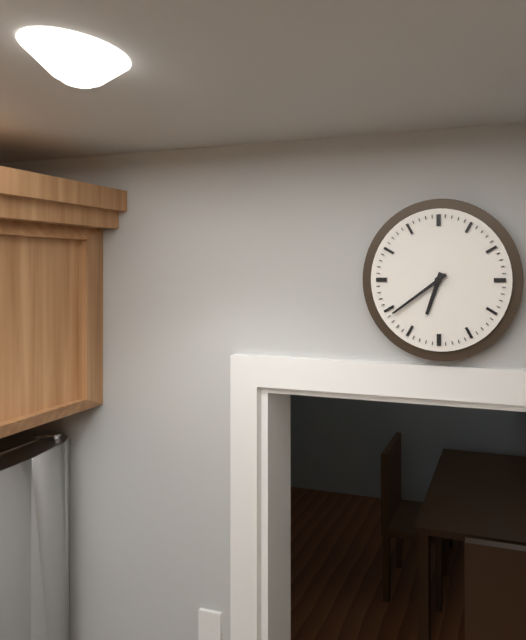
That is 6:39
